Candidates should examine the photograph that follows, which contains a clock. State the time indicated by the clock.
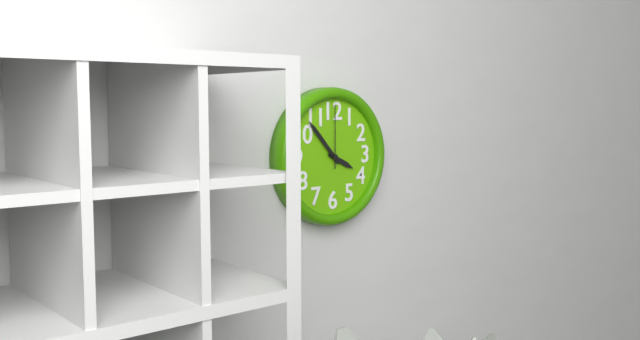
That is 3:53:00
